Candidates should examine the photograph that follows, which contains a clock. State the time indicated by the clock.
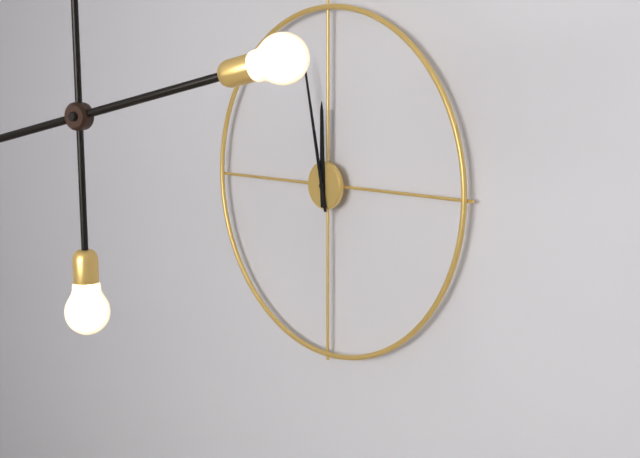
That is 11:58
